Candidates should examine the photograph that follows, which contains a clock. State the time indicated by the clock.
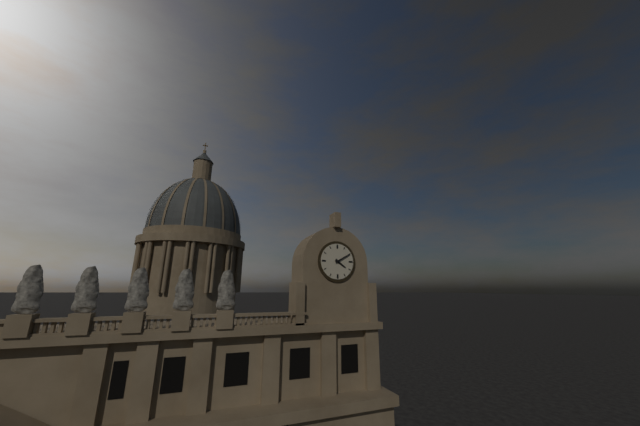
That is 4:10
